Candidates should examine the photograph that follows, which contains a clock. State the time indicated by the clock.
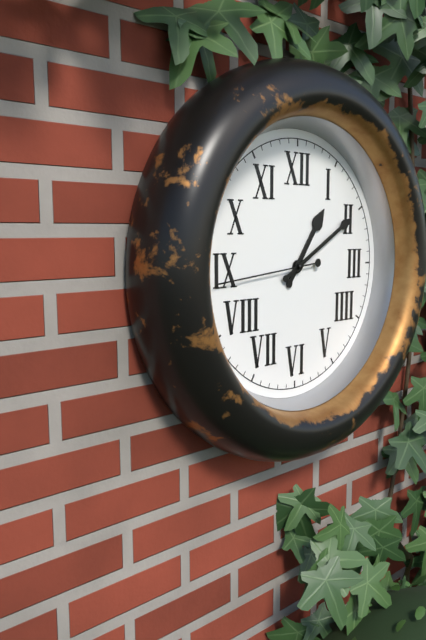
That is 1:10:44
